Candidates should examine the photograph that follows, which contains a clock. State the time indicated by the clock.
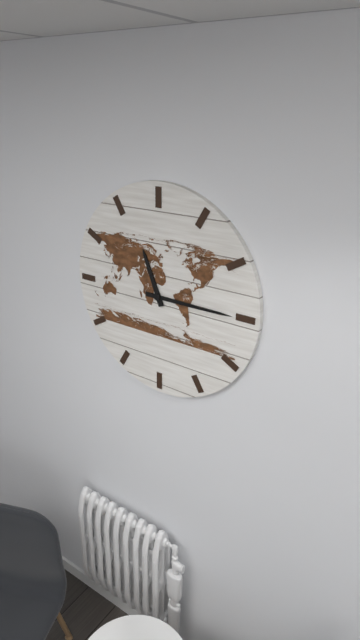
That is 11:15
